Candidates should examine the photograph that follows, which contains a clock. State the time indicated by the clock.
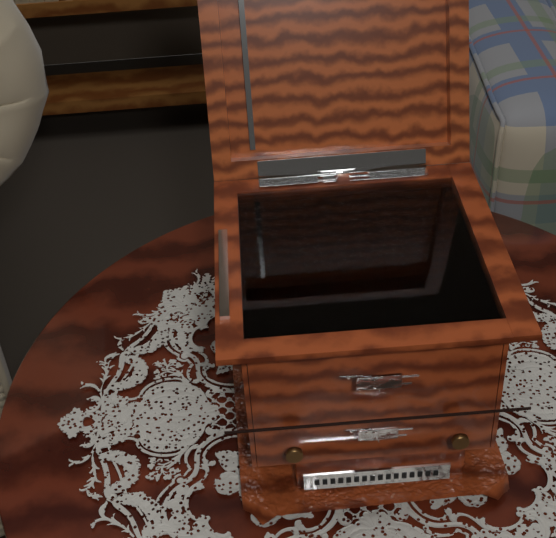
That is 4:01
